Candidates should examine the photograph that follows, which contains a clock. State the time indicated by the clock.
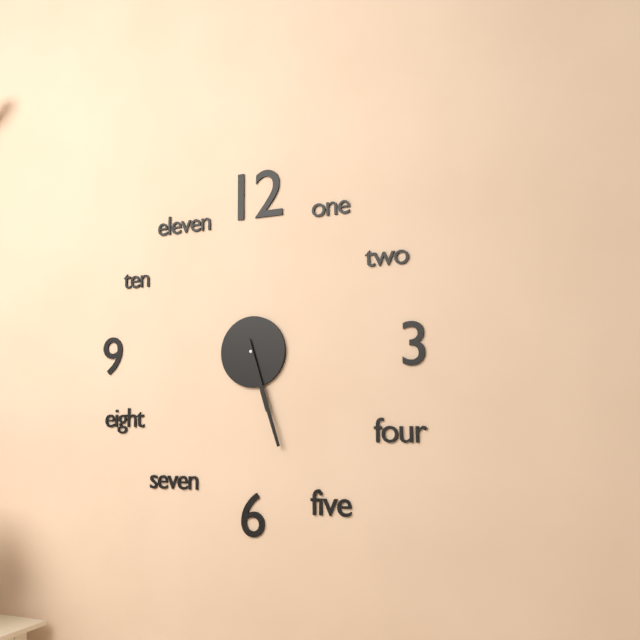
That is 5:27
